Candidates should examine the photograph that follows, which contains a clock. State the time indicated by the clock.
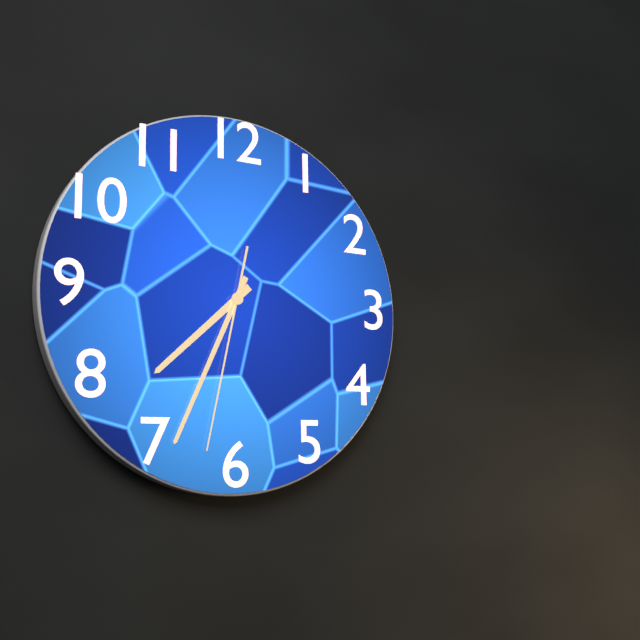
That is 7:34:32
